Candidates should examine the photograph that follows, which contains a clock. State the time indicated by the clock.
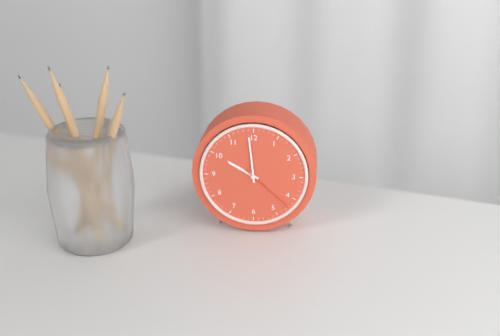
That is 9:59:22
